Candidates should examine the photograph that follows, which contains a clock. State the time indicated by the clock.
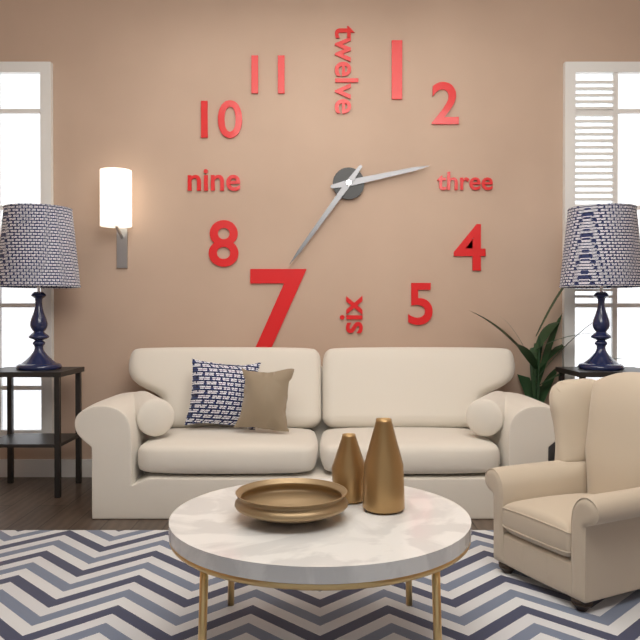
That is 2:36
